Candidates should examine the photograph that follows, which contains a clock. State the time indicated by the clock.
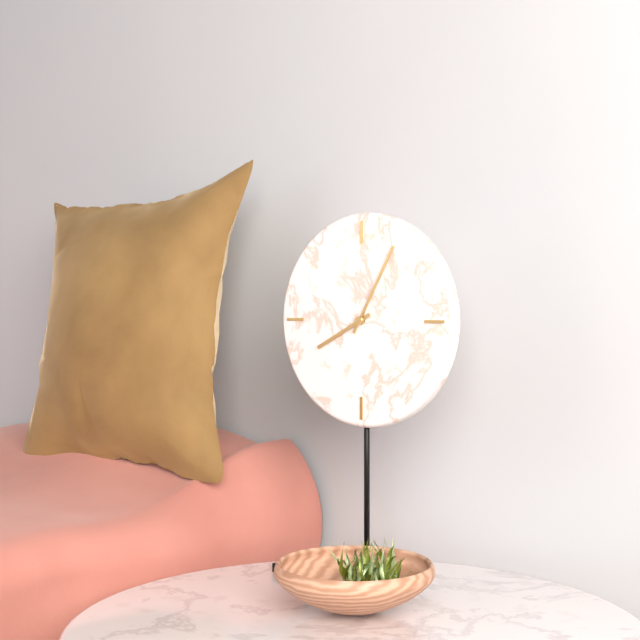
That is 8:05
